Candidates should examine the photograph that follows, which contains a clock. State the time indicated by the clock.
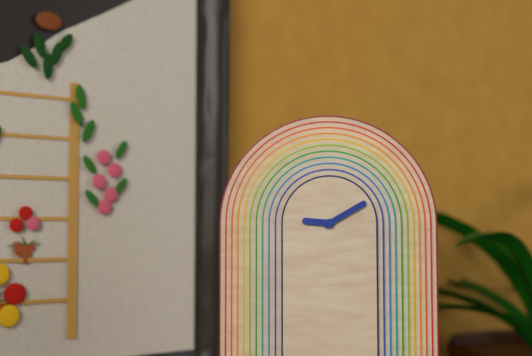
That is 9:10
